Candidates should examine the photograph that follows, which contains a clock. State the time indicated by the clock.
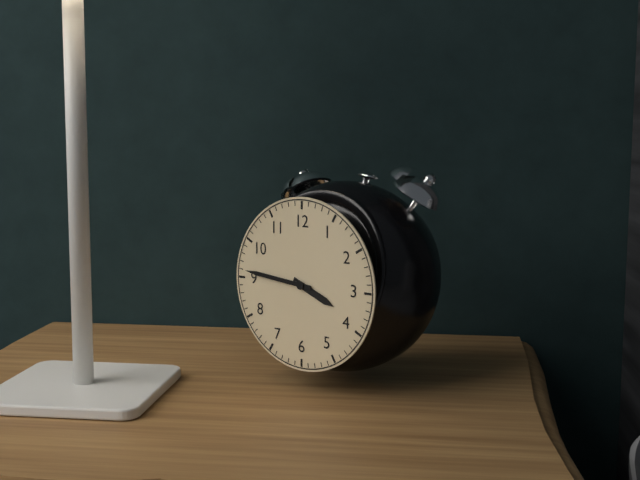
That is 3:46
